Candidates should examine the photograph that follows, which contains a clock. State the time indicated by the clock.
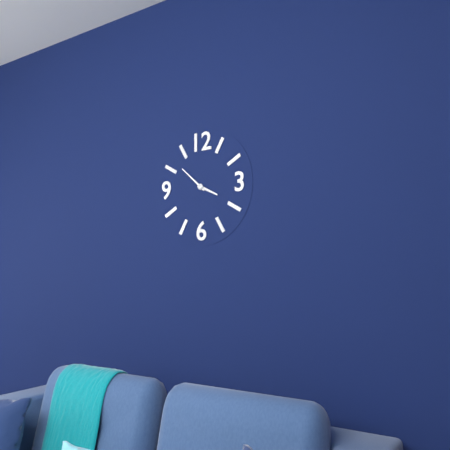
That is 3:52
